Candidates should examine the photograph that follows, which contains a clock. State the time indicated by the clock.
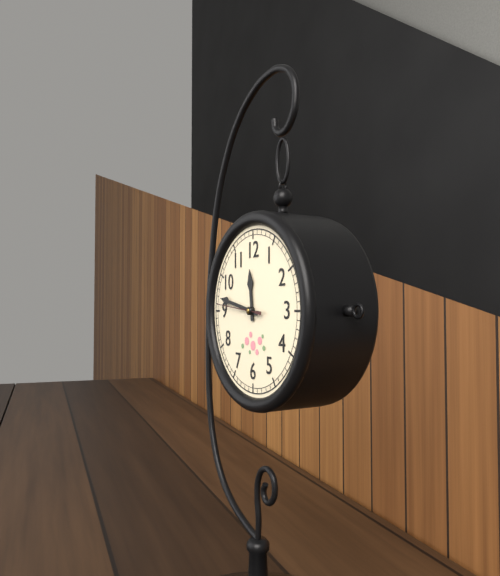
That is 11:47
